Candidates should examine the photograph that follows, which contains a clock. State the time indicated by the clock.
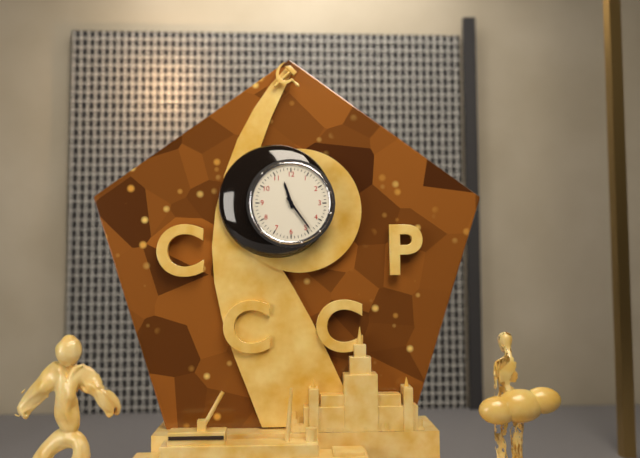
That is 11:24
